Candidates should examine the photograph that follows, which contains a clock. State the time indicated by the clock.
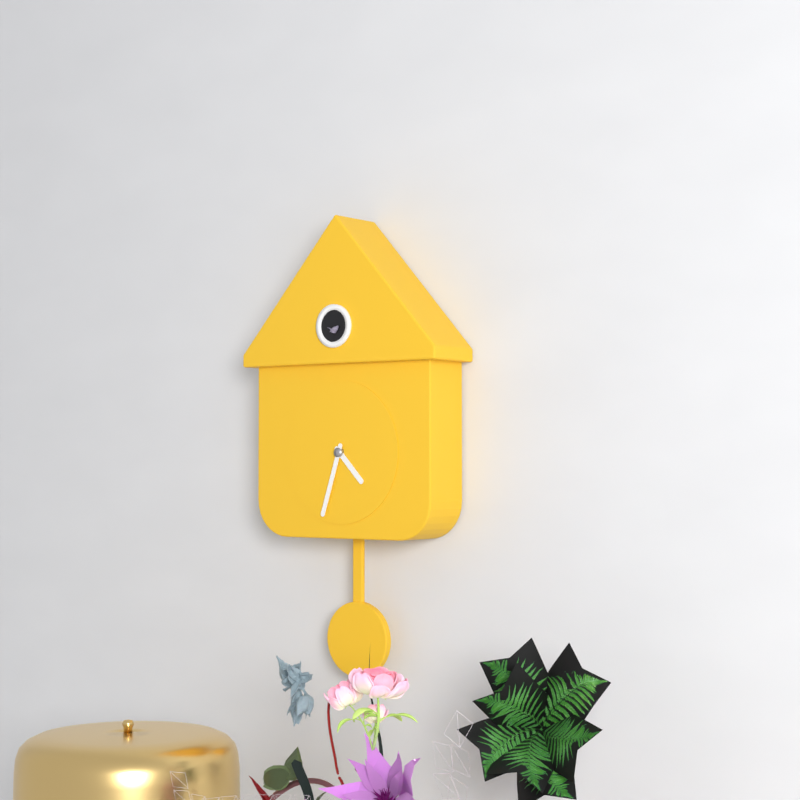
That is 4:33
